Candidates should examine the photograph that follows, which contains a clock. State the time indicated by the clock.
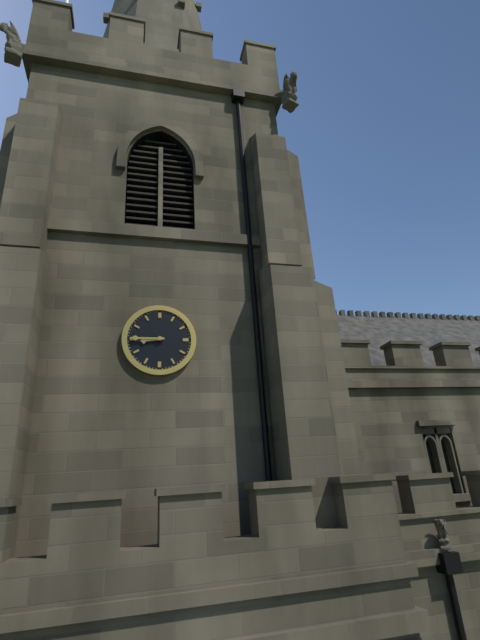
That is 8:45
